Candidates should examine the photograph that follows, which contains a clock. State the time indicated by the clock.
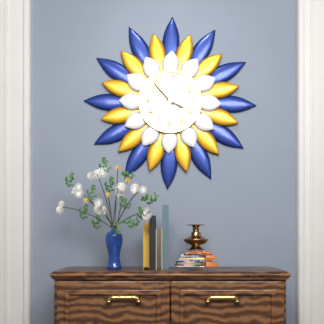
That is 3:53
